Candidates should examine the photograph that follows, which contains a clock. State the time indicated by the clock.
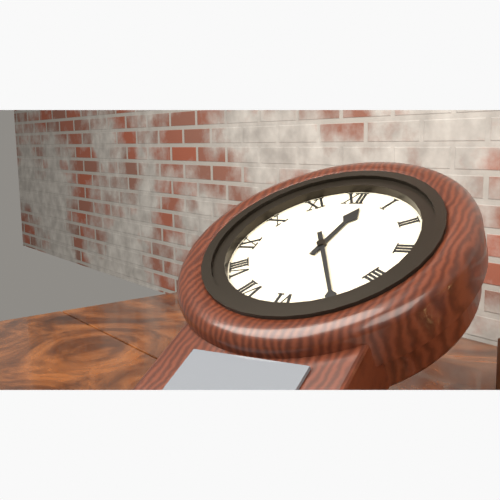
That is 12:25
